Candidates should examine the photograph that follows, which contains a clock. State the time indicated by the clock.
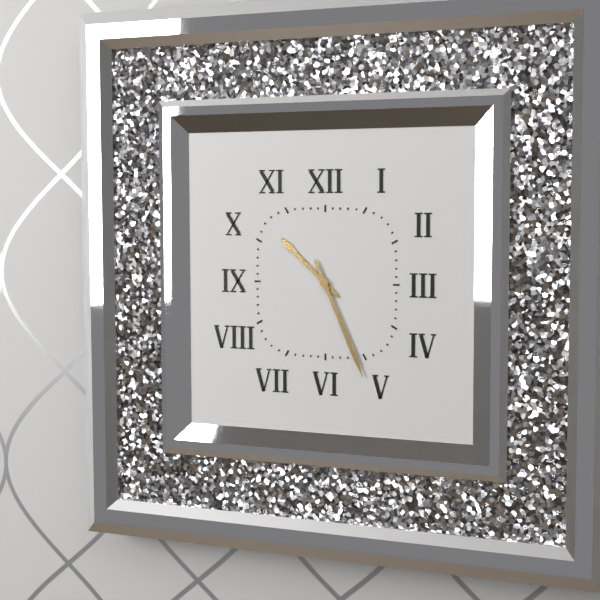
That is 10:26
